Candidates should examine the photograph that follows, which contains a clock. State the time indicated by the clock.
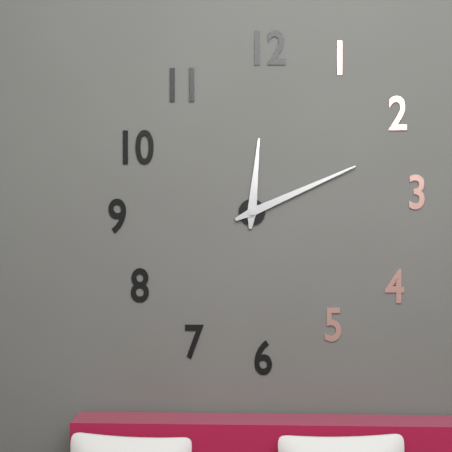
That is 12:11
